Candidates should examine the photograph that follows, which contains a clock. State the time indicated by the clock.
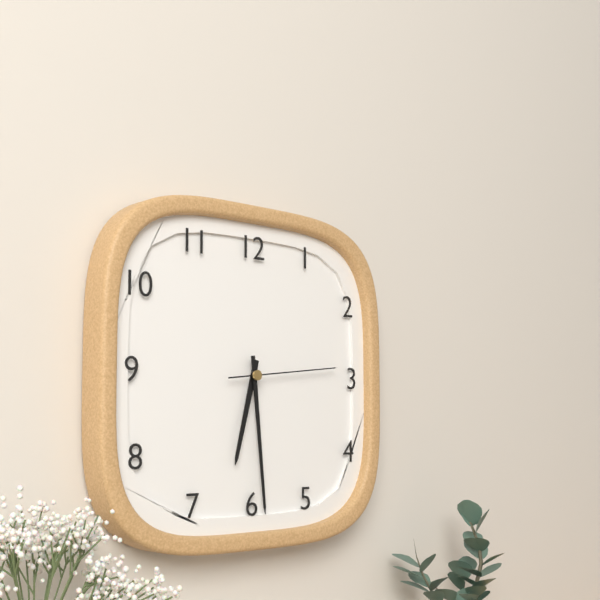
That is 6:29:14
